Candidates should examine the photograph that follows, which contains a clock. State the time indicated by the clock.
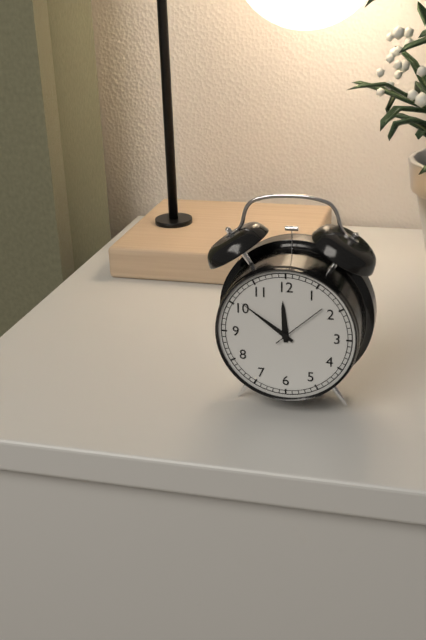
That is 11:51:08
